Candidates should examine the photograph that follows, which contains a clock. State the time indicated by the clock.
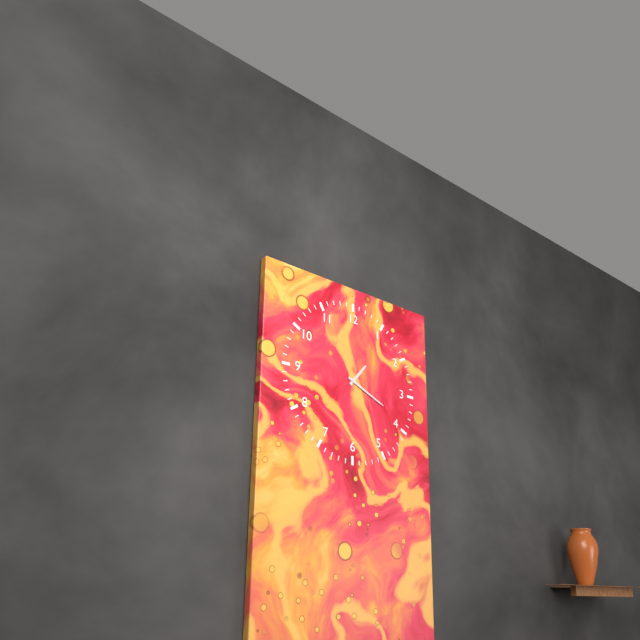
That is 1:19
